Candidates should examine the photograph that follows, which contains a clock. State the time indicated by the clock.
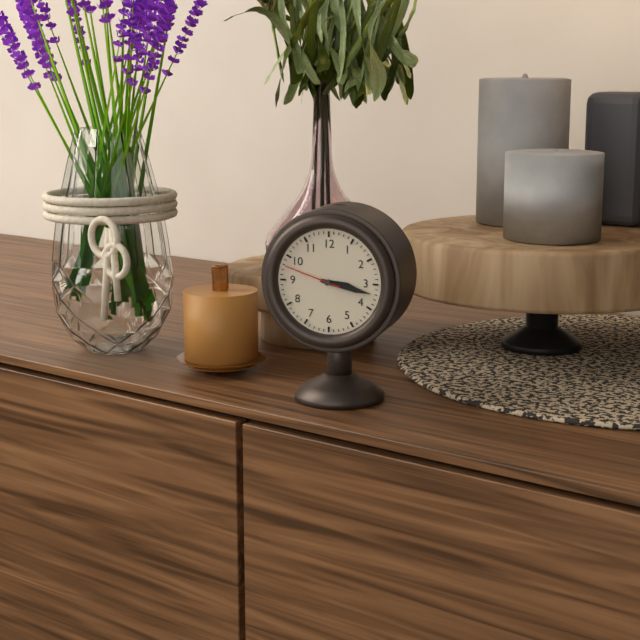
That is 3:17:48
